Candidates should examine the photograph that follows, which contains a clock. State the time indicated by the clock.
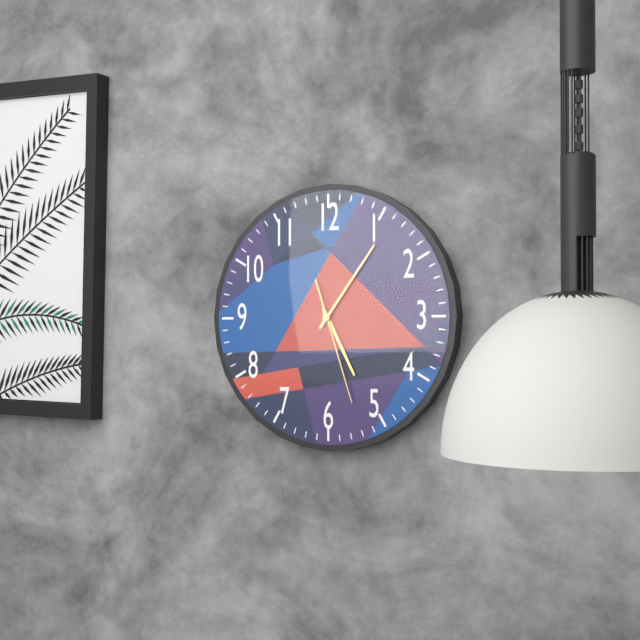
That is 5:06:27
